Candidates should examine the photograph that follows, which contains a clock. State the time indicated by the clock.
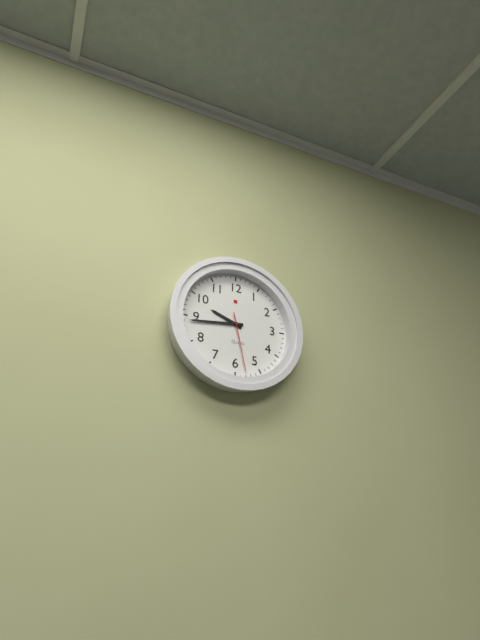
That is 9:44:28
